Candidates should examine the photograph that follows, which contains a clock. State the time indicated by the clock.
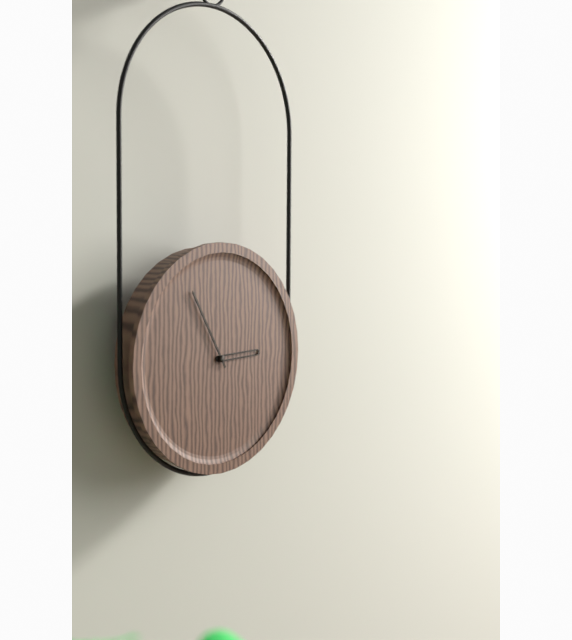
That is 2:55
